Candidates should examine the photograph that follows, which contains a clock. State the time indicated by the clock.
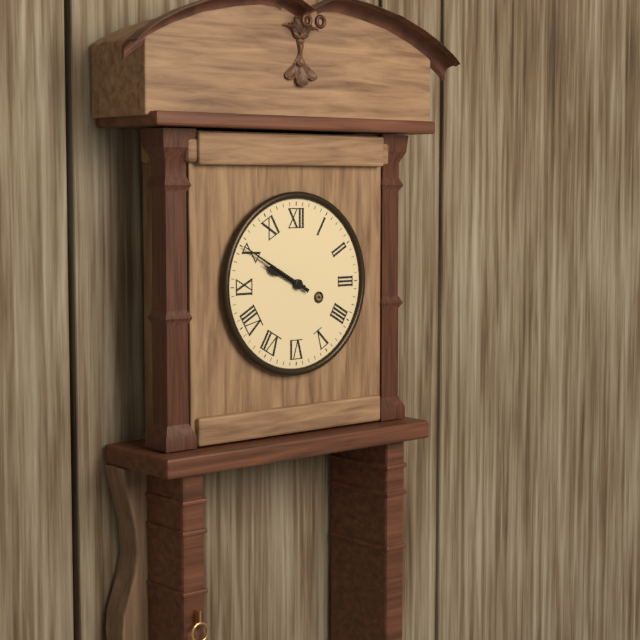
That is 9:50
